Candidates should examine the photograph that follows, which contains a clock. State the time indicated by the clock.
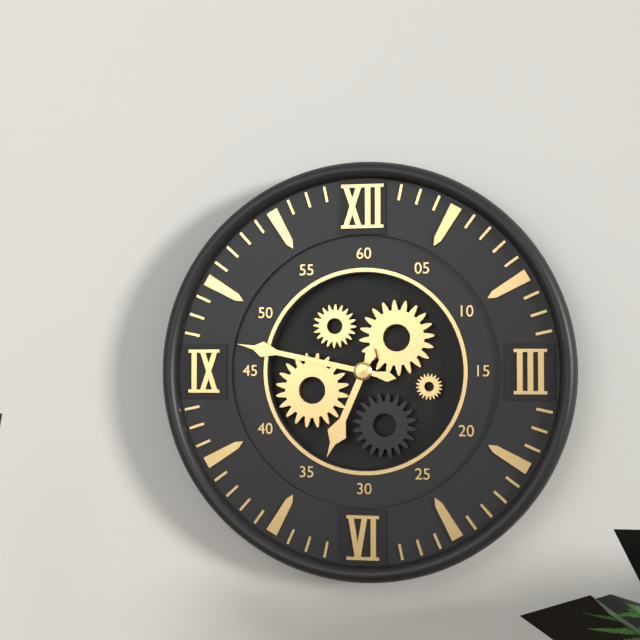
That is 6:47
